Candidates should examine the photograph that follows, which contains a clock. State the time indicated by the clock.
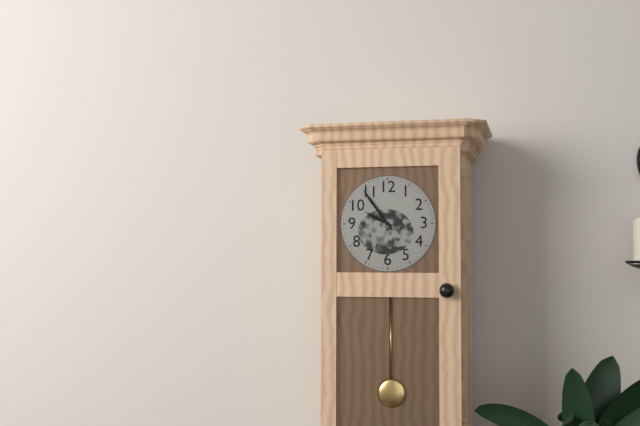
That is 9:54
